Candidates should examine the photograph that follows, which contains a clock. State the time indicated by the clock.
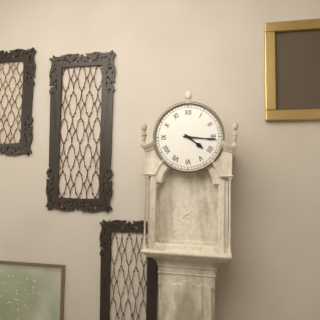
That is 4:16
